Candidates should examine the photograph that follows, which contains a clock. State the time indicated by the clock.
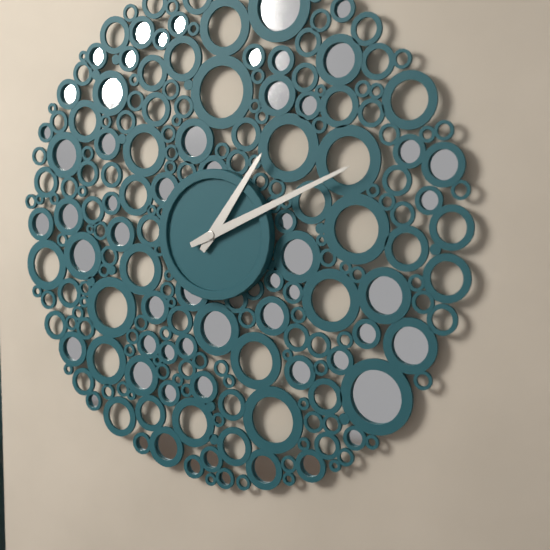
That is 1:11
